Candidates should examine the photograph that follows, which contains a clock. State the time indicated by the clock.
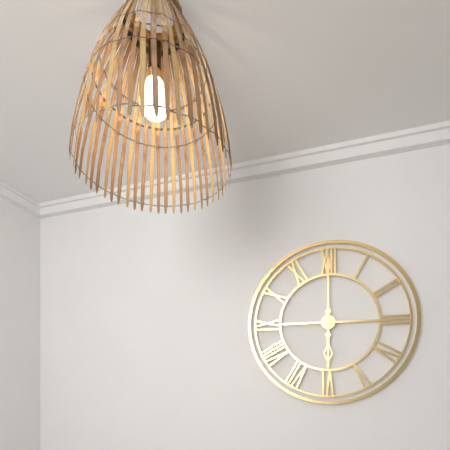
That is 6:00
